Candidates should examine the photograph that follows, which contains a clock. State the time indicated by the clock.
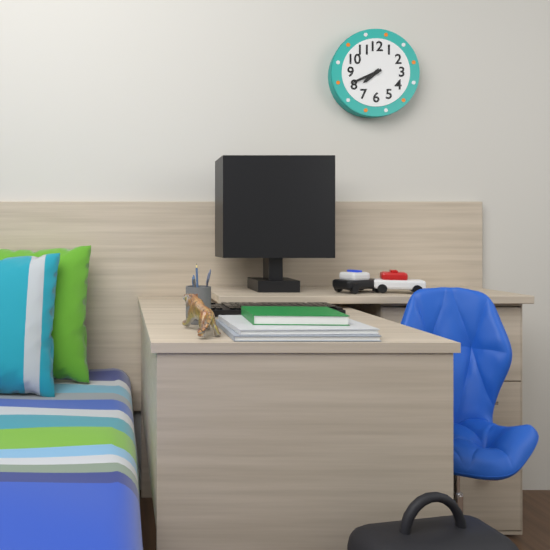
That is 7:41
